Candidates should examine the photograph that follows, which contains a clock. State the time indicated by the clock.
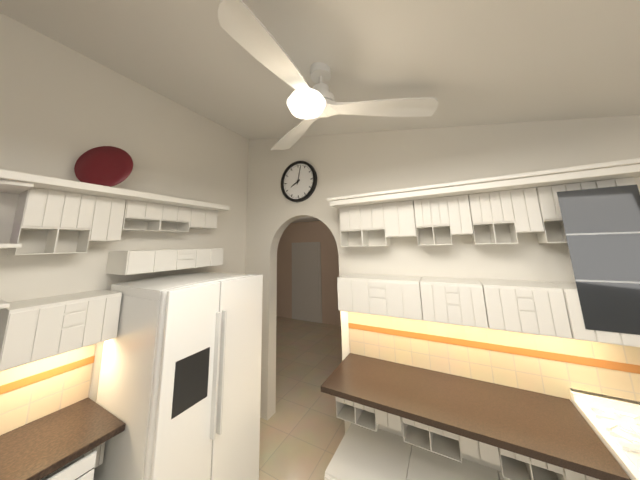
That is 8:02
